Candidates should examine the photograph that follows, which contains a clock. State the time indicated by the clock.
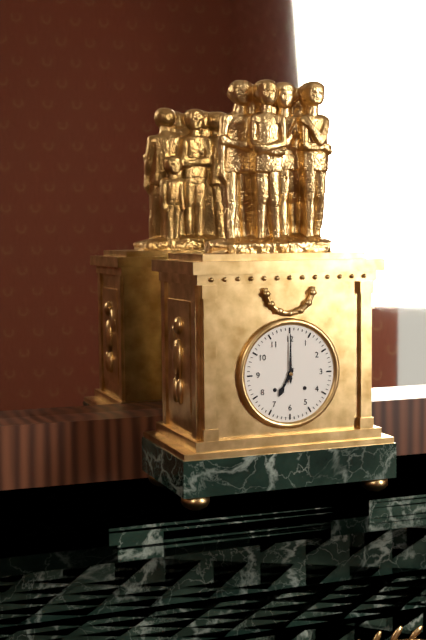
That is 7:00
